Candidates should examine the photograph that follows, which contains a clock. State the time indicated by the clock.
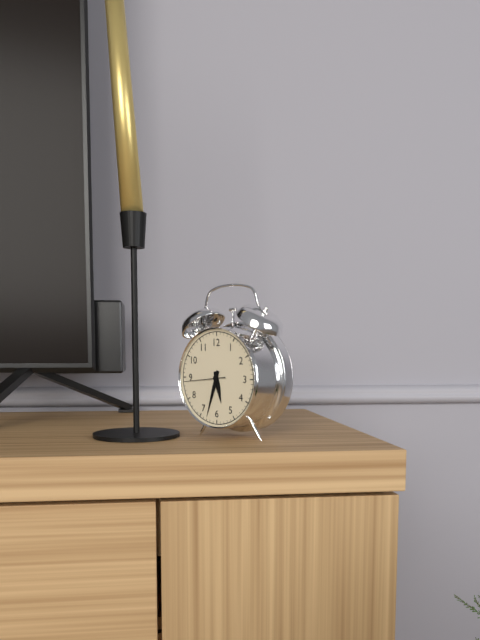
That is 5:33
